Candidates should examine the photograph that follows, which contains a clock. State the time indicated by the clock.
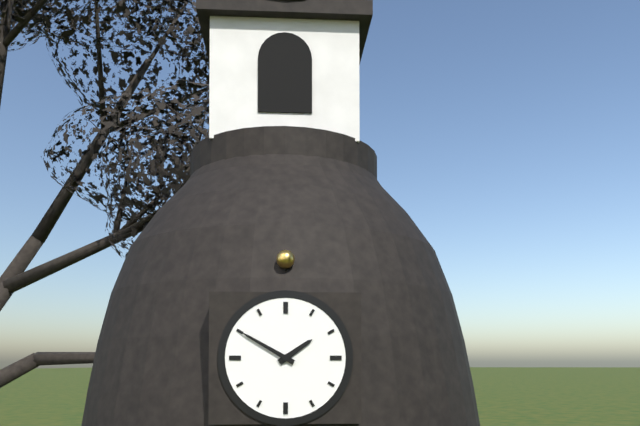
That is 1:50
